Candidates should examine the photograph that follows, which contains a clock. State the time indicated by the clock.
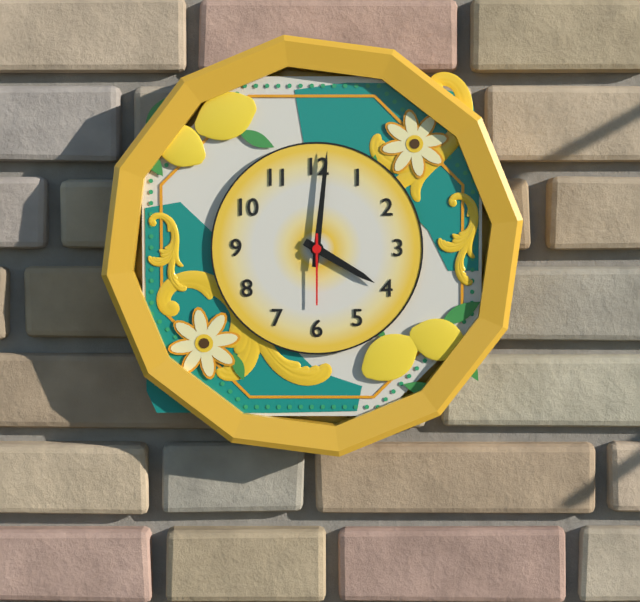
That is 4:01:30
